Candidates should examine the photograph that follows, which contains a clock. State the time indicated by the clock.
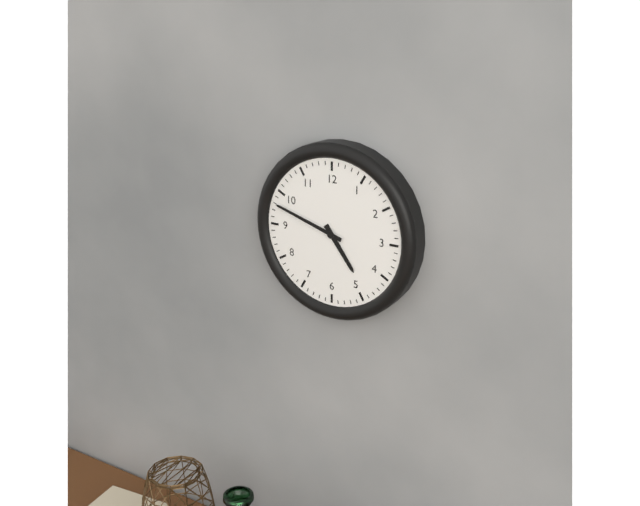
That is 4:48
